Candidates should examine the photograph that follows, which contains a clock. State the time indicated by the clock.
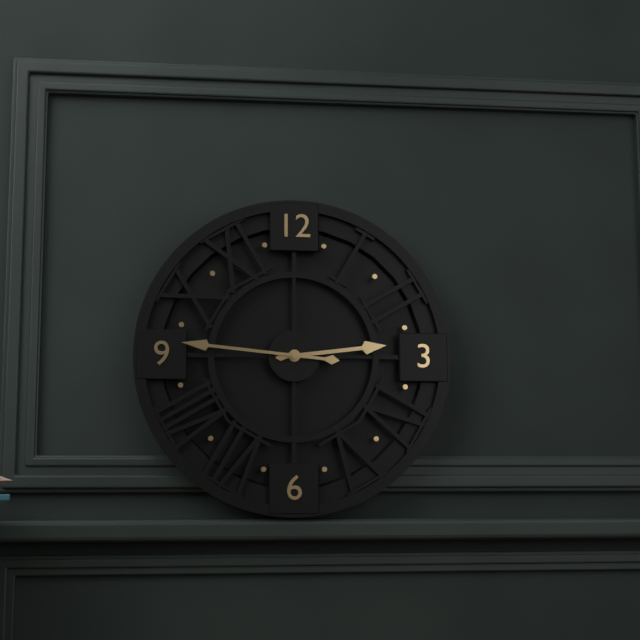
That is 2:46
